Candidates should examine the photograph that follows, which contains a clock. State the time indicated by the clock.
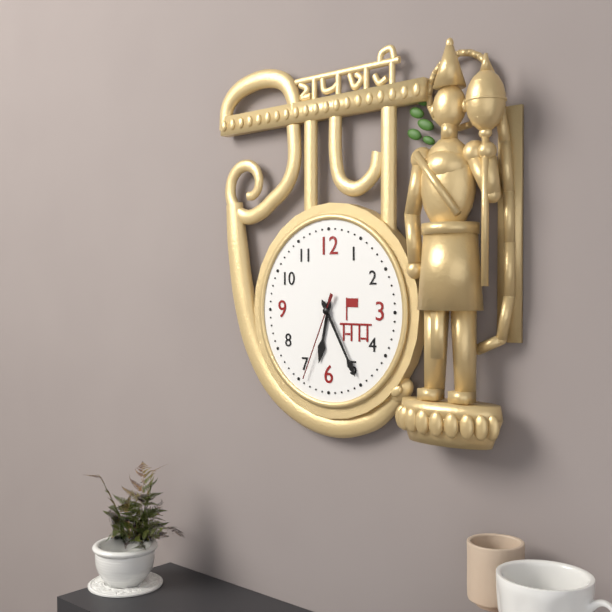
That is 6:25:34
